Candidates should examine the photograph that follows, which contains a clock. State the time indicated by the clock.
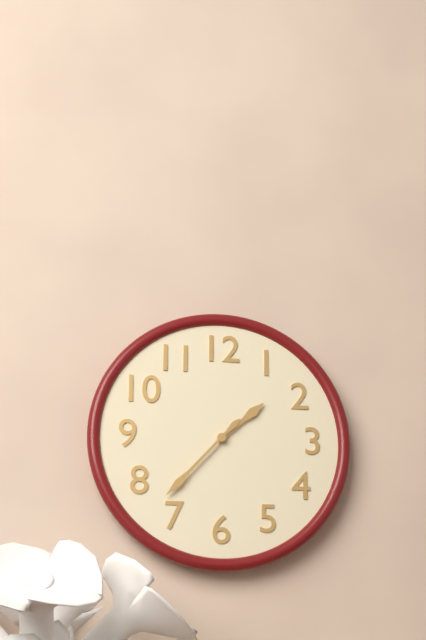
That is 1:37
